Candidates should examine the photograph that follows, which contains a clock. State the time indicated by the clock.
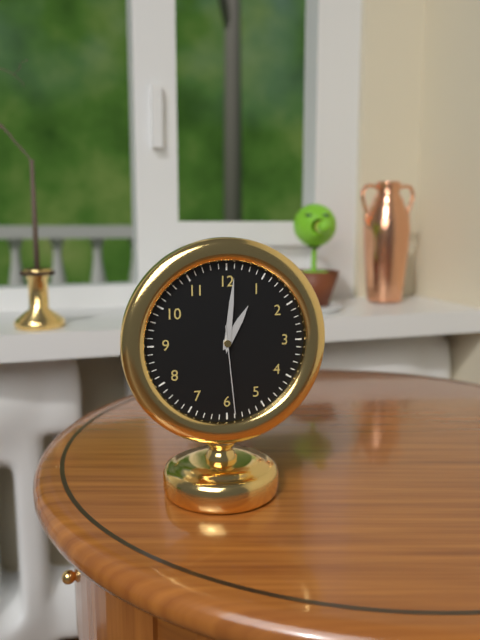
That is 1:01:29
